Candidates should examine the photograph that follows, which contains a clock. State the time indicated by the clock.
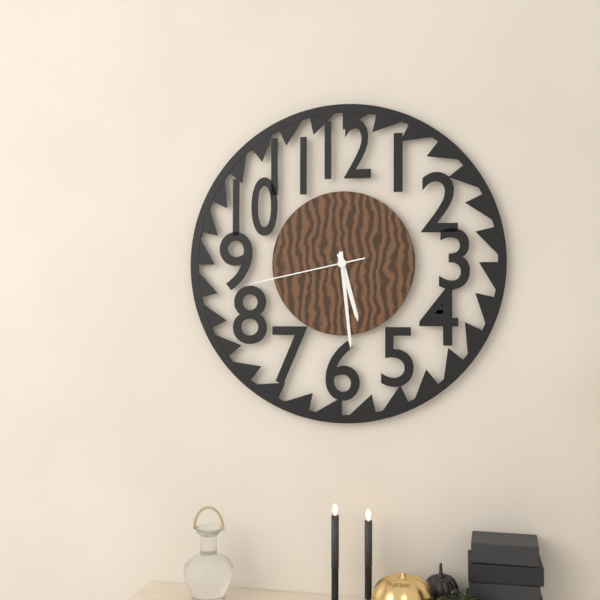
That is 5:29:43
